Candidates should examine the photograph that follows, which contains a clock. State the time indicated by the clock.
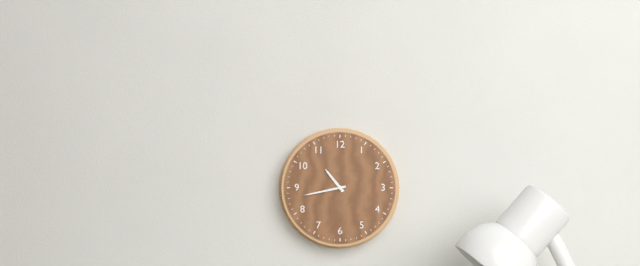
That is 10:43
